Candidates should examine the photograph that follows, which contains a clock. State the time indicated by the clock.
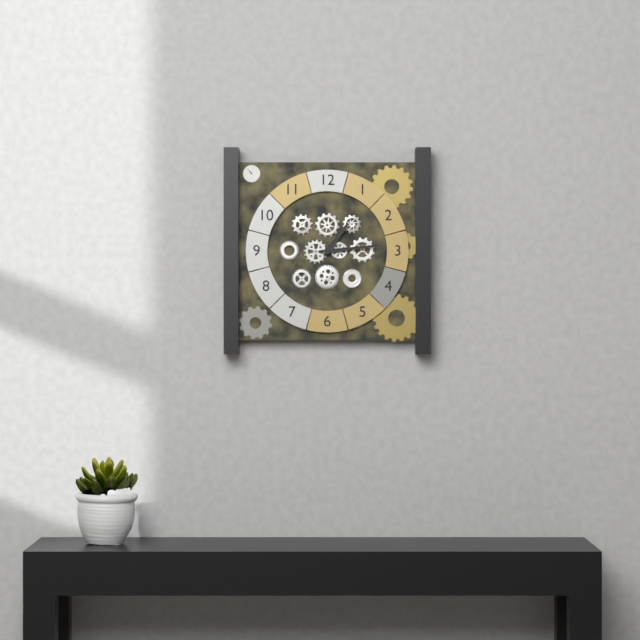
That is 1:14
